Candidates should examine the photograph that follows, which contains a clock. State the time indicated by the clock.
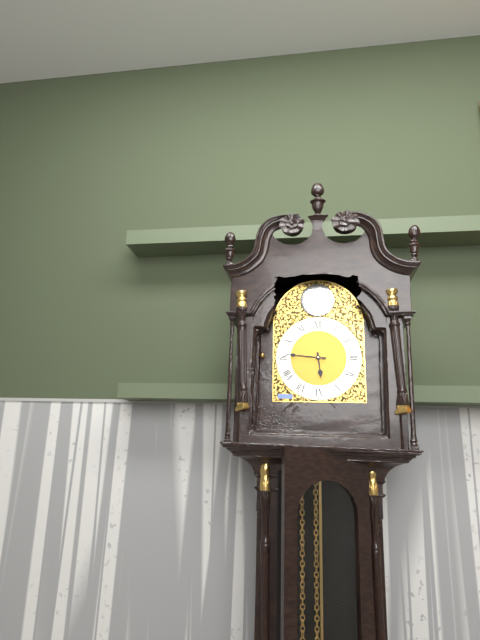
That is 5:46
